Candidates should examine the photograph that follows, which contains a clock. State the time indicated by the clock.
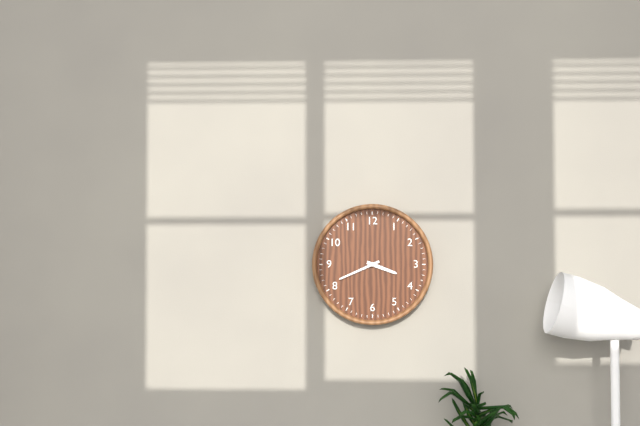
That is 3:41
